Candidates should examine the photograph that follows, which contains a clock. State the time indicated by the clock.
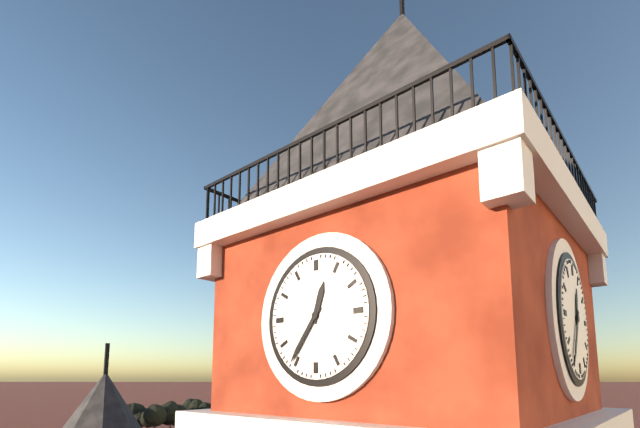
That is 12:36
